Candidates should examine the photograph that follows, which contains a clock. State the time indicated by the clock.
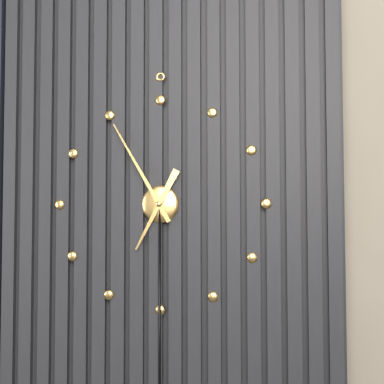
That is 6:55
